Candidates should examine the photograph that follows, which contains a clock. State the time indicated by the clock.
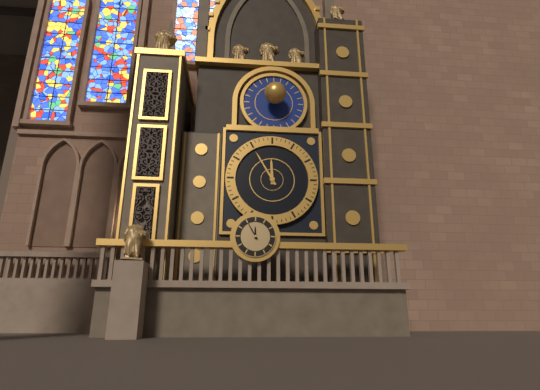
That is 11:55
